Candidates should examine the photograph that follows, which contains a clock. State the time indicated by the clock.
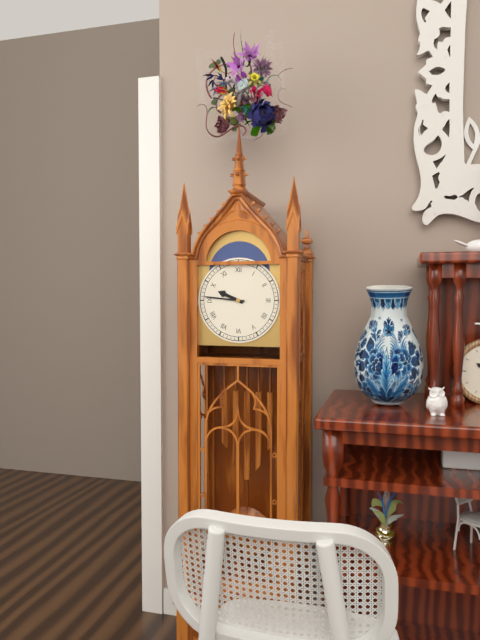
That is 9:46
